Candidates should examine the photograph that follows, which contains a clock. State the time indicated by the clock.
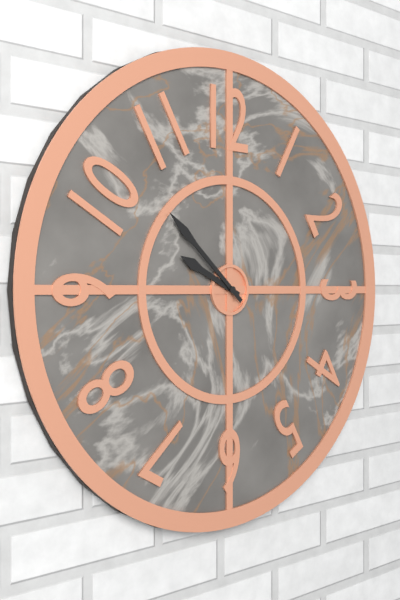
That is 9:52
